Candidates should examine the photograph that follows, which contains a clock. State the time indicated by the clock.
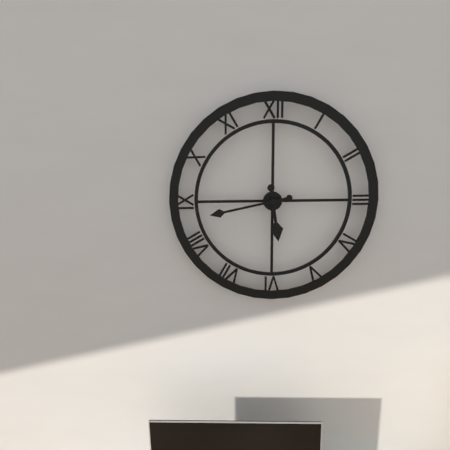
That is 5:43
